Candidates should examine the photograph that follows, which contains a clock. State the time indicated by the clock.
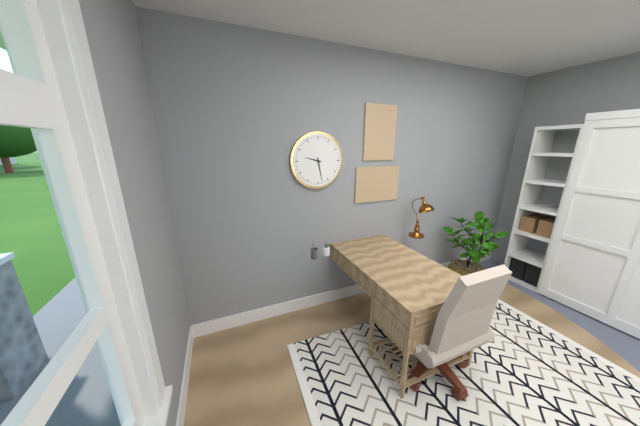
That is 9:28
